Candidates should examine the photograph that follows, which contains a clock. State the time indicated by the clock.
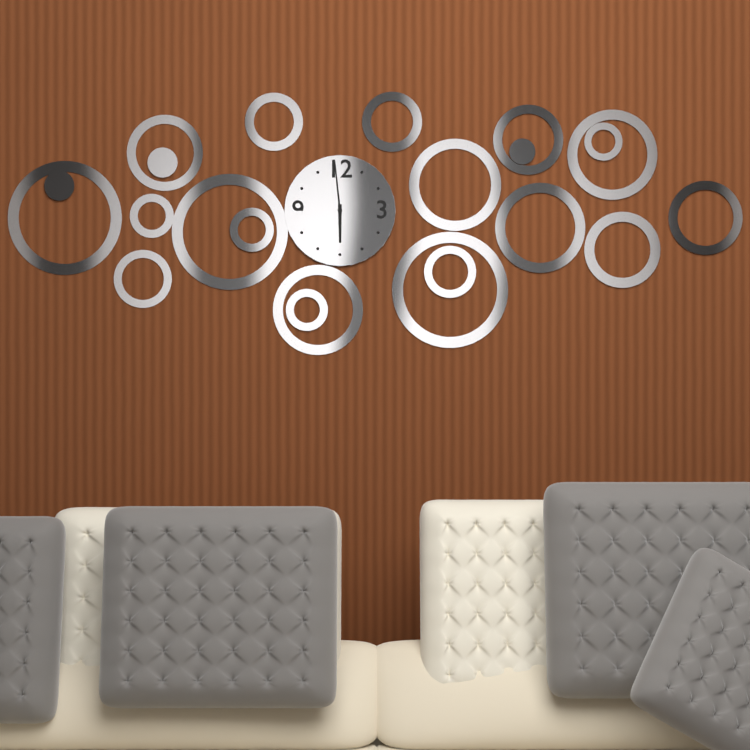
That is 5:59
